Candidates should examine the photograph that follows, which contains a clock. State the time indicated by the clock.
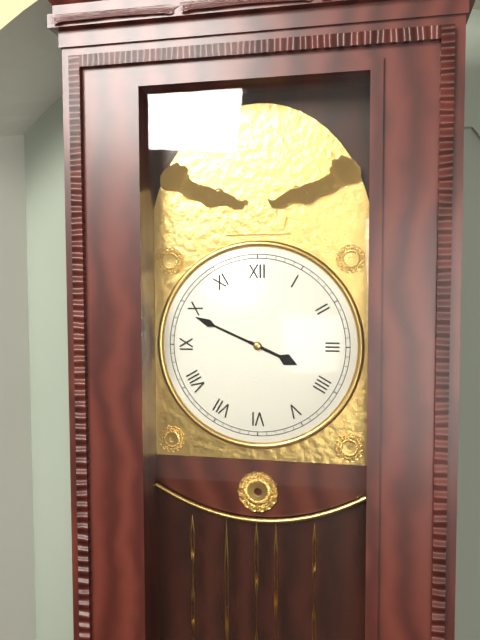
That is 3:49
